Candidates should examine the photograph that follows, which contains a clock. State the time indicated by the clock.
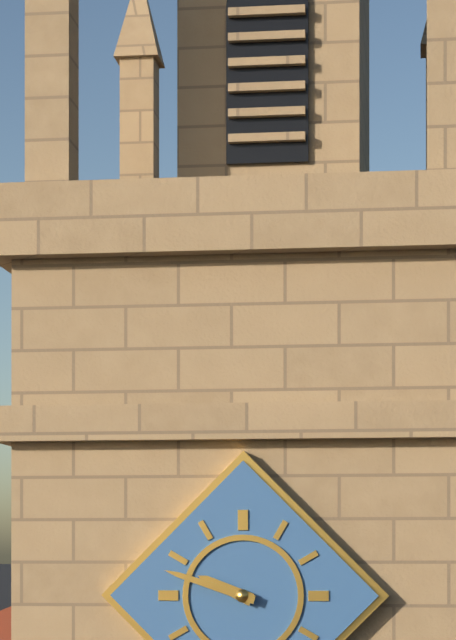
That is 9:48
